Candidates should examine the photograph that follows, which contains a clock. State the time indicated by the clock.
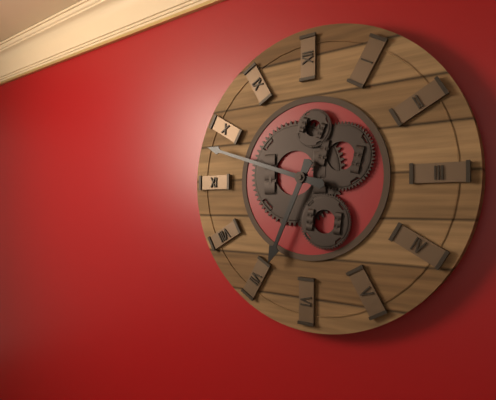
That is 6:48
